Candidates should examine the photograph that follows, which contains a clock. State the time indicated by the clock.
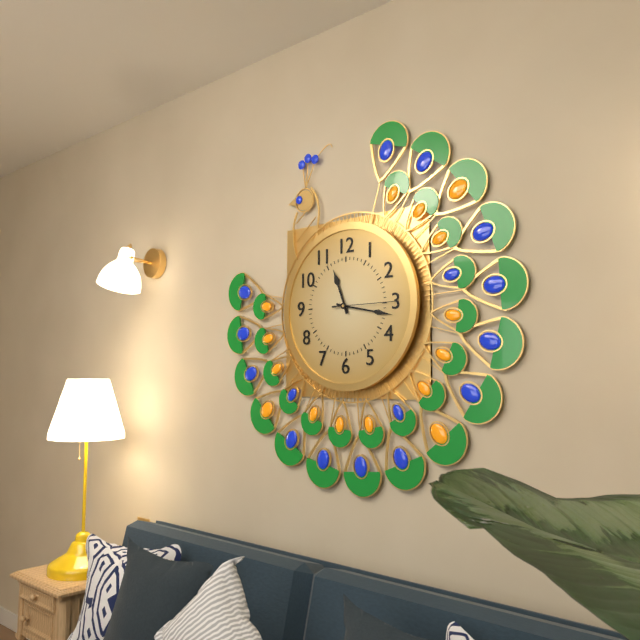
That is 11:17:15
